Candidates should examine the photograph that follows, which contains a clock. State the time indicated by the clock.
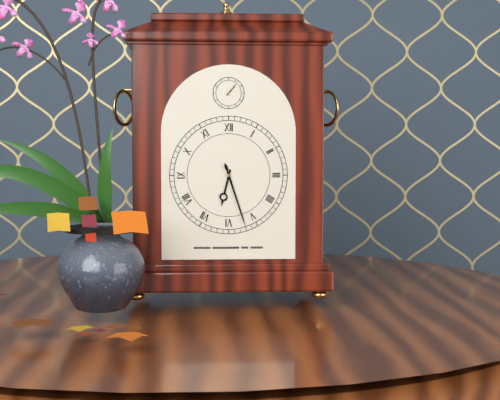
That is 6:27
